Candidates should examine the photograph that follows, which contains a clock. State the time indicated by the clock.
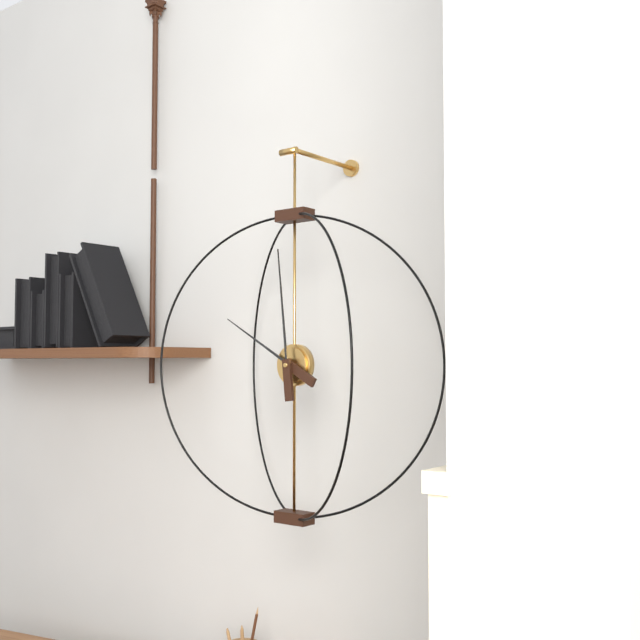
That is 9:59
